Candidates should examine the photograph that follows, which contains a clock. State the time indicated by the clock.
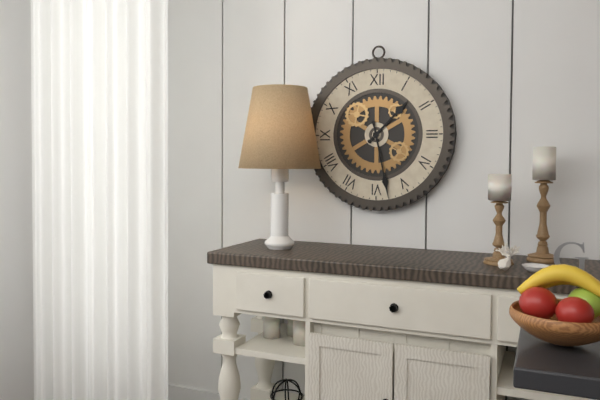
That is 1:28
